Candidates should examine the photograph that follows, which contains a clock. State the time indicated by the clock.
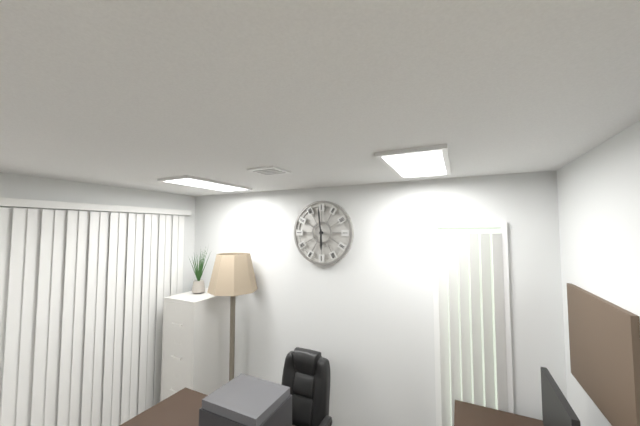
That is 5:59
